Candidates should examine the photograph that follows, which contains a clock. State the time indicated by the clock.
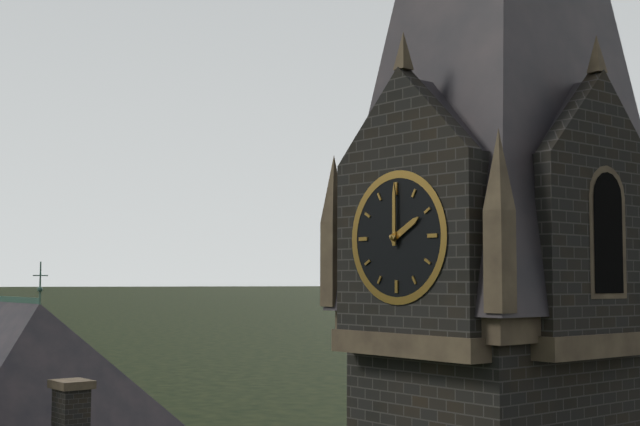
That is 2:00
